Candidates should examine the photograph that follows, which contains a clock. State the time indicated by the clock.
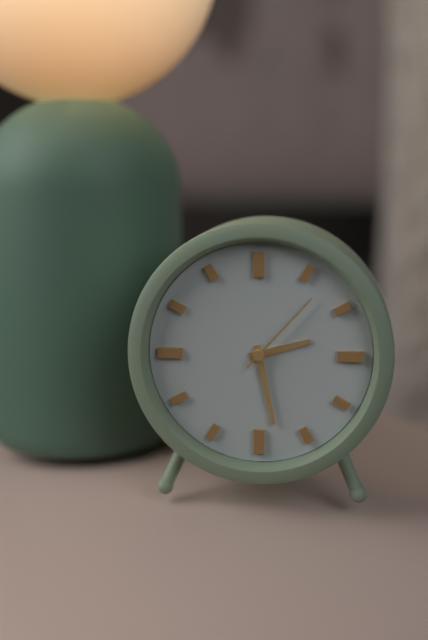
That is 2:28:07
